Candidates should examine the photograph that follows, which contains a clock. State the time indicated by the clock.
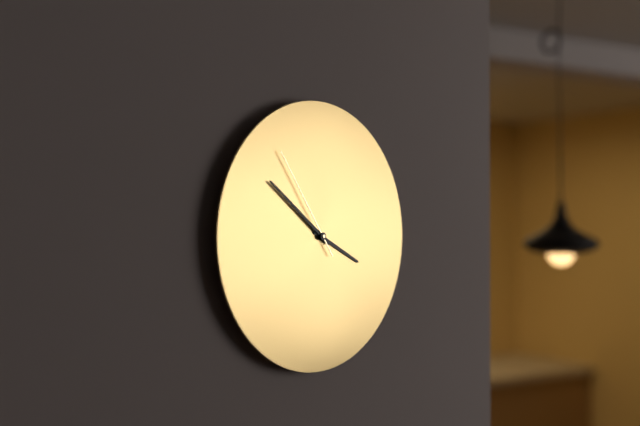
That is 3:51:54
